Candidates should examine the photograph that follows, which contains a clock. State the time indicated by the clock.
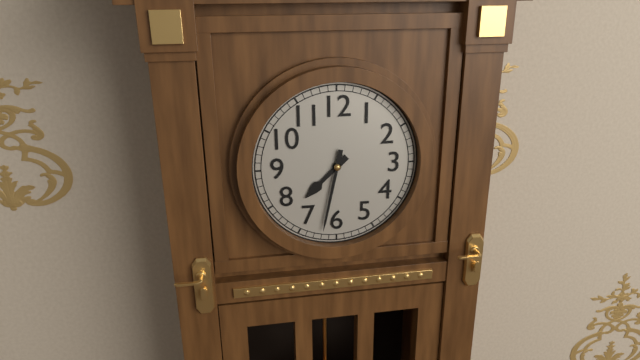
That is 7:32
